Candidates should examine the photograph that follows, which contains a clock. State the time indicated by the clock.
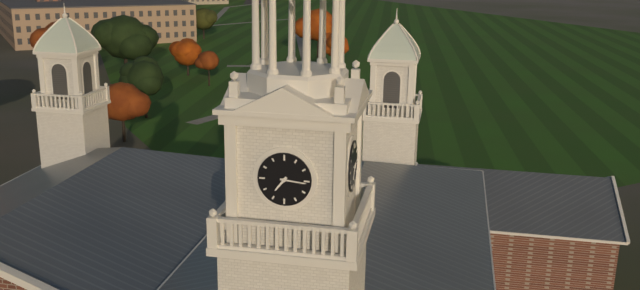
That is 7:16
